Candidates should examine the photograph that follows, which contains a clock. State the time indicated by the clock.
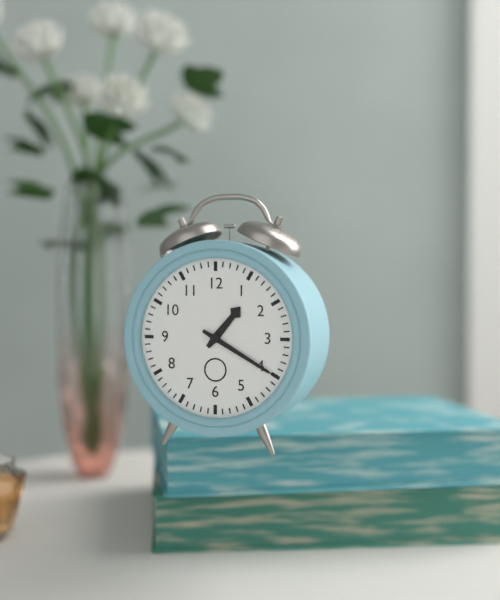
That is 1:20
